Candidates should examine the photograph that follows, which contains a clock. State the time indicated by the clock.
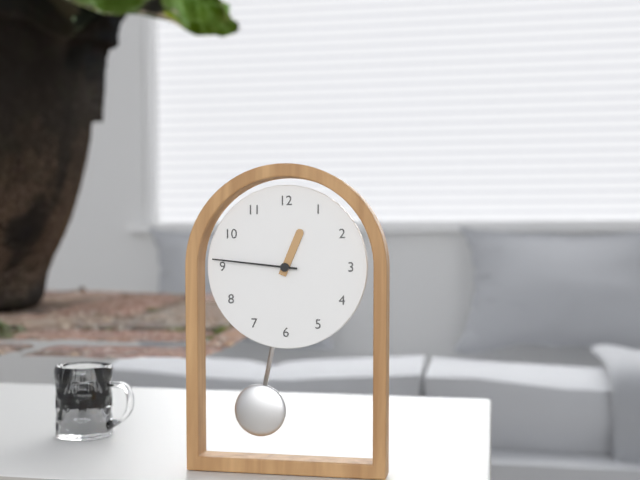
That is 12:46
